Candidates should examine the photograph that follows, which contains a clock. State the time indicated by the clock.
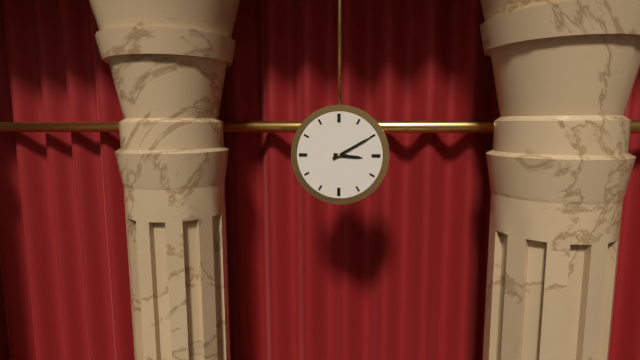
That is 3:10
